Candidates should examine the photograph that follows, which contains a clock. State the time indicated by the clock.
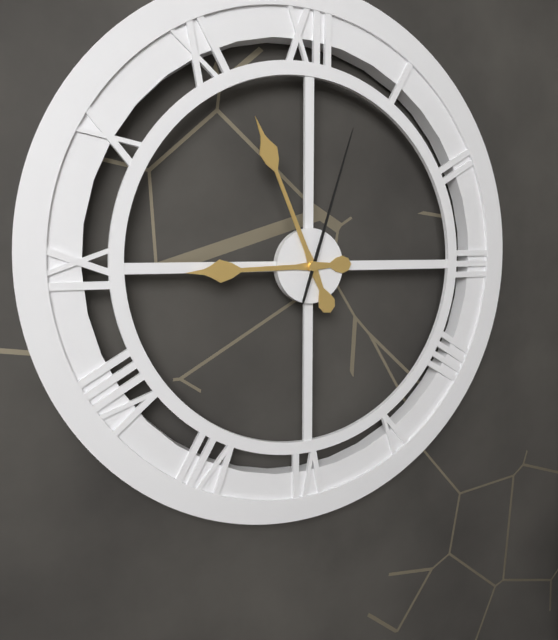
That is 8:56:03
